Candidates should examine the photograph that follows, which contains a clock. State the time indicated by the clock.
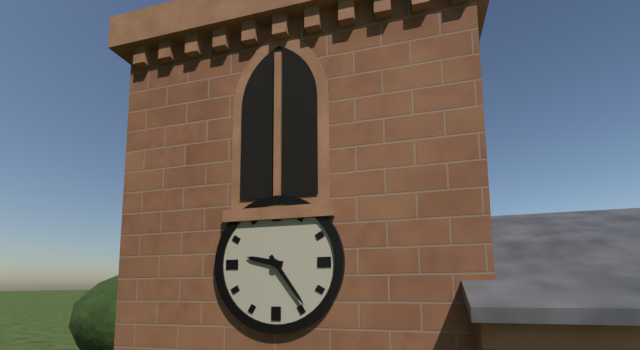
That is 9:24
